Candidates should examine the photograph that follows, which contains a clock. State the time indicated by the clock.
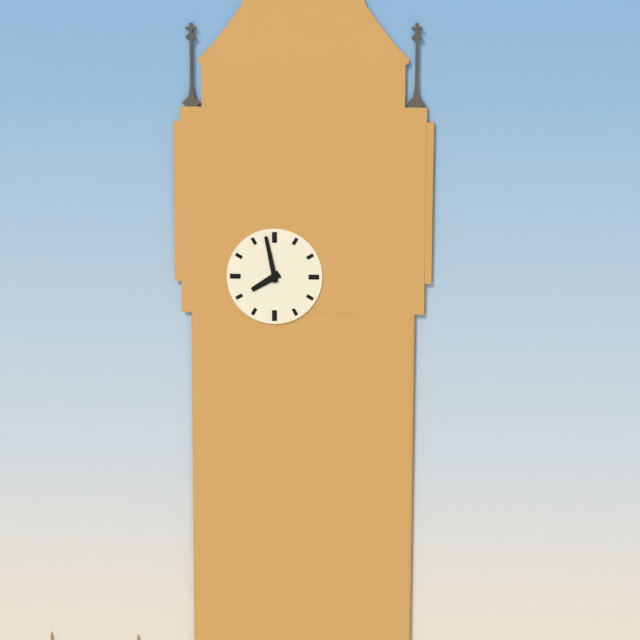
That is 7:58
